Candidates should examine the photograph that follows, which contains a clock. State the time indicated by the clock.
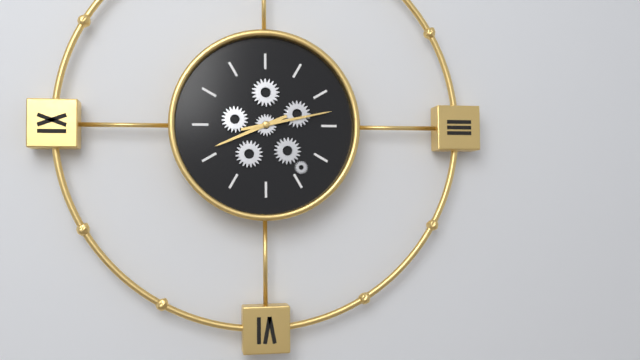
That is 8:13
